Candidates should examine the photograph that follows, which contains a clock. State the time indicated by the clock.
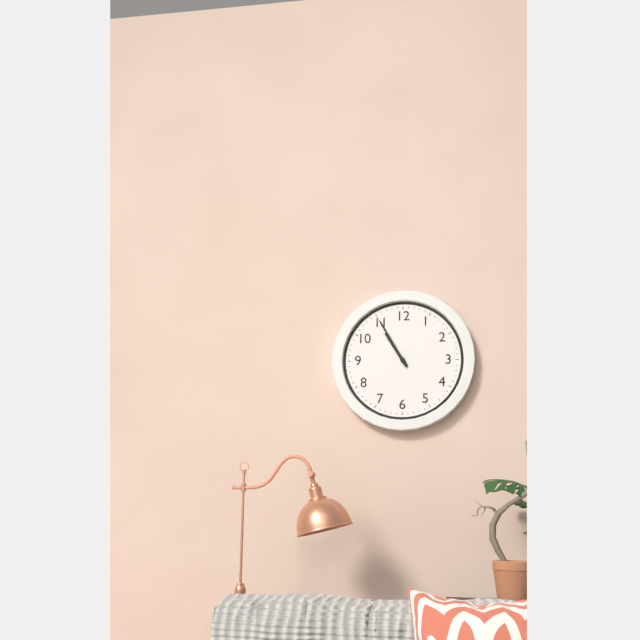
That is 10:55
